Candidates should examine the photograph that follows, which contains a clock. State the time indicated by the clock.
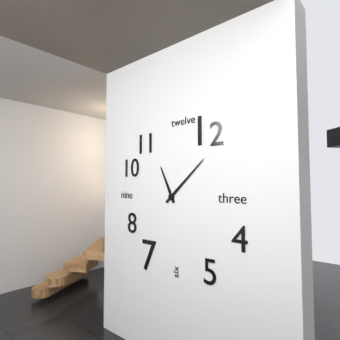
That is 11:08
